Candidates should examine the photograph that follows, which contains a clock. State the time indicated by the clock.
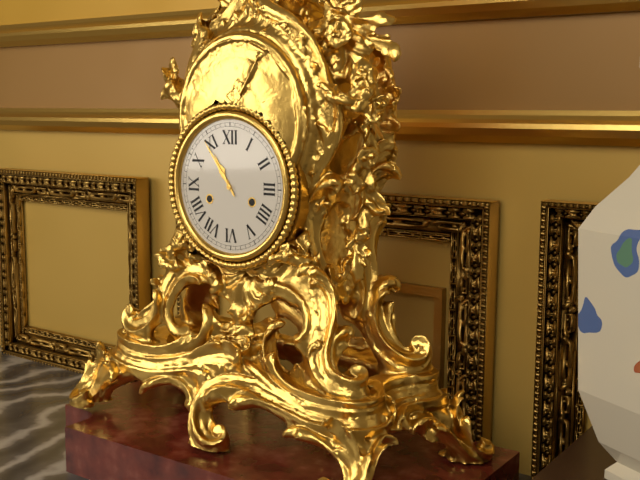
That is 10:54
